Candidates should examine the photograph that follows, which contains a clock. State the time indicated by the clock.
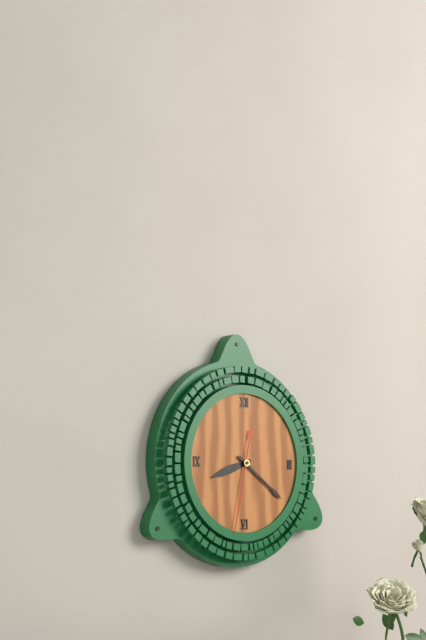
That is 8:21:32
